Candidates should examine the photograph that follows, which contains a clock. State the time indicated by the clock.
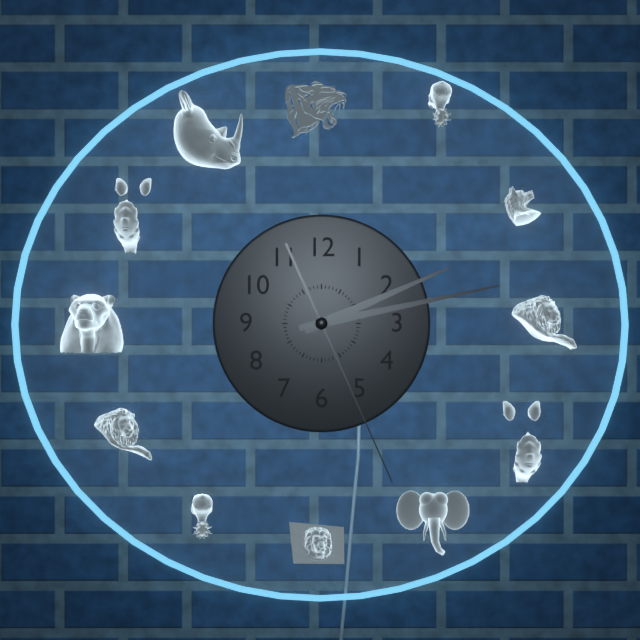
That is 2:13:26
